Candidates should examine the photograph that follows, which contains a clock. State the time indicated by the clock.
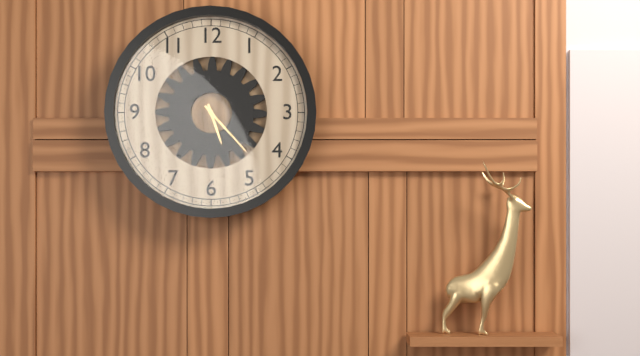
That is 5:23
